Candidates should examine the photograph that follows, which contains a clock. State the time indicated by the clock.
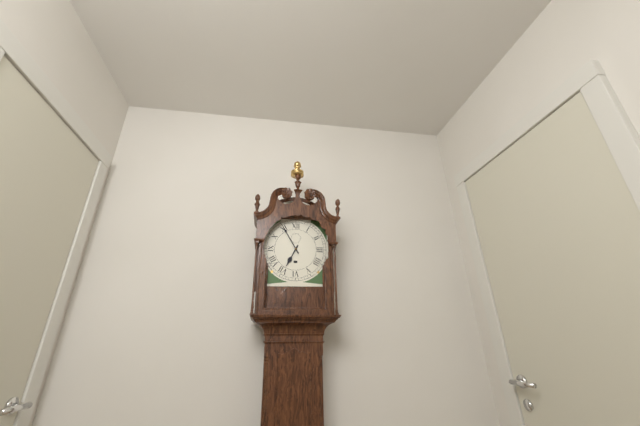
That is 6:55
